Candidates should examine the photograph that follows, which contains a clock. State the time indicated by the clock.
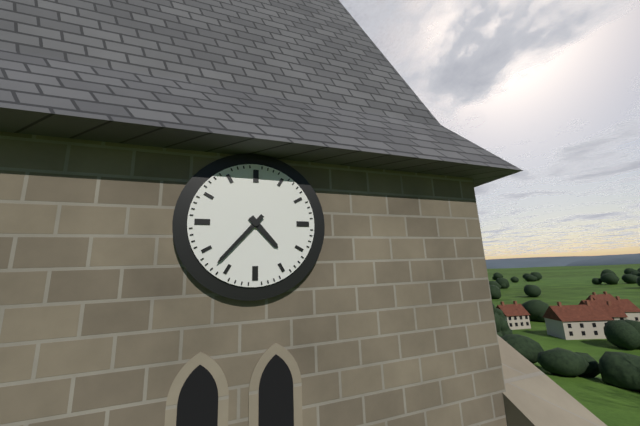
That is 4:37
